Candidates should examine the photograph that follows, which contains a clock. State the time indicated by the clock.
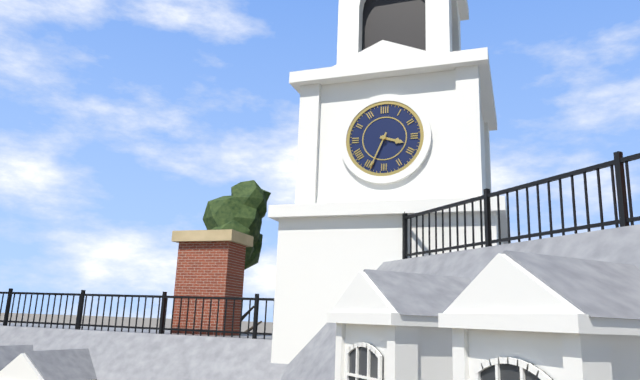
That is 3:34
